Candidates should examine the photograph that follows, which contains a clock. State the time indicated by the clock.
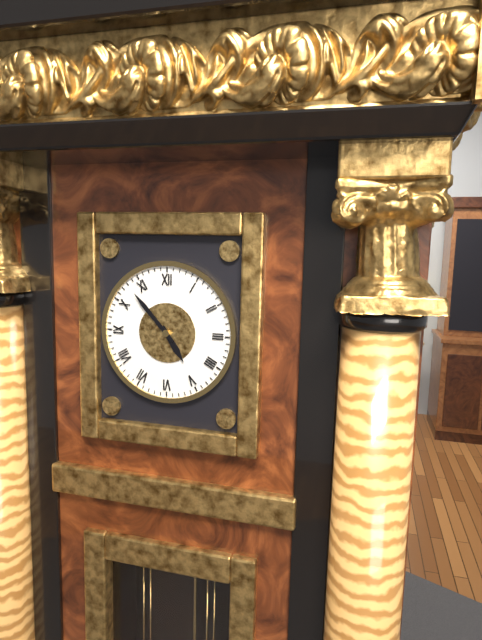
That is 4:53
